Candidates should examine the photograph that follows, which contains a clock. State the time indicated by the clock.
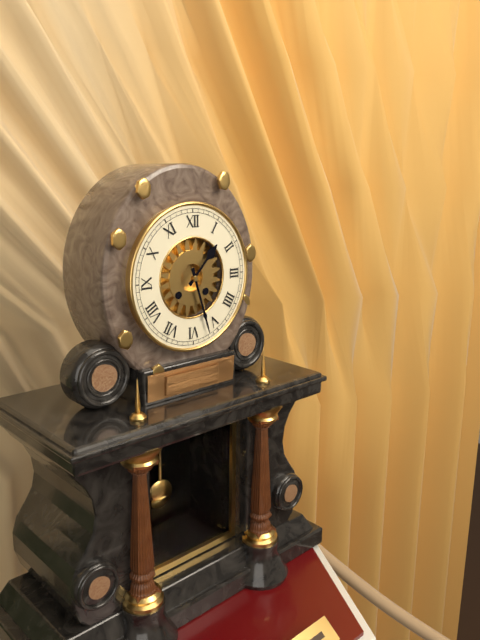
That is 1:27
